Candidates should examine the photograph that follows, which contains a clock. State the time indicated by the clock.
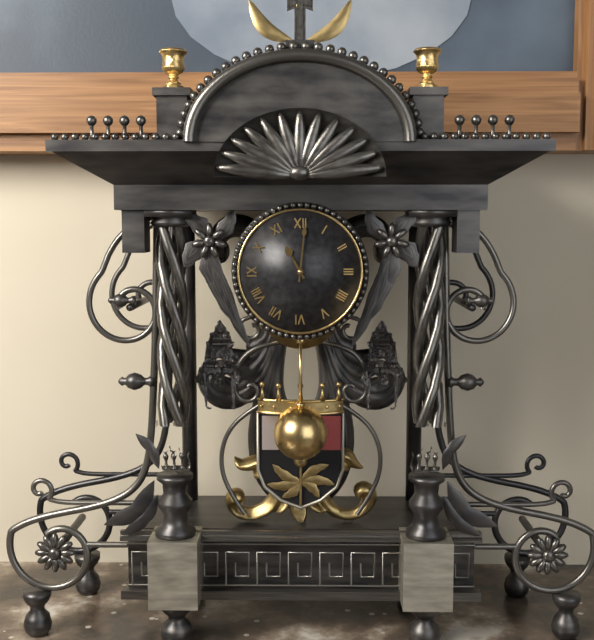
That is 11:01
